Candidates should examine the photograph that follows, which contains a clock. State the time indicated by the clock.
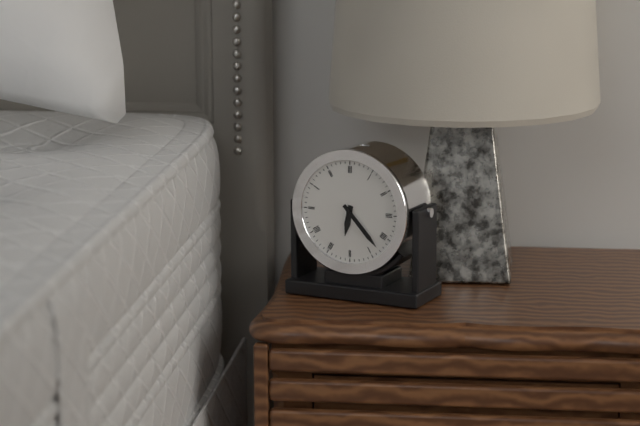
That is 6:23
